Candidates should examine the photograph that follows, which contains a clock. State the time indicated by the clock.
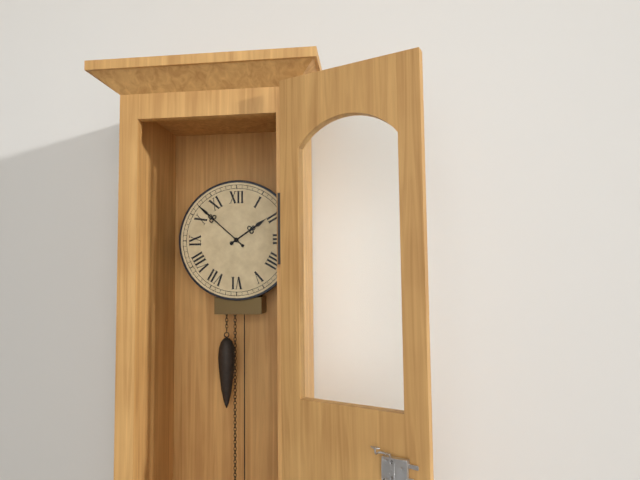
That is 1:52
